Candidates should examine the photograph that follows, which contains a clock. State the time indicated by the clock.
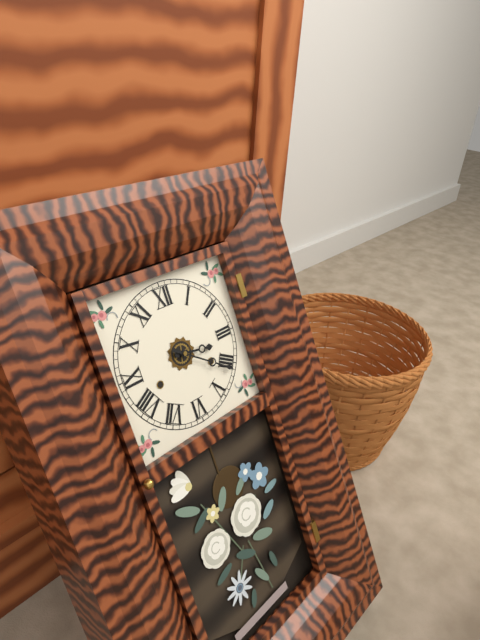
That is 3:21
